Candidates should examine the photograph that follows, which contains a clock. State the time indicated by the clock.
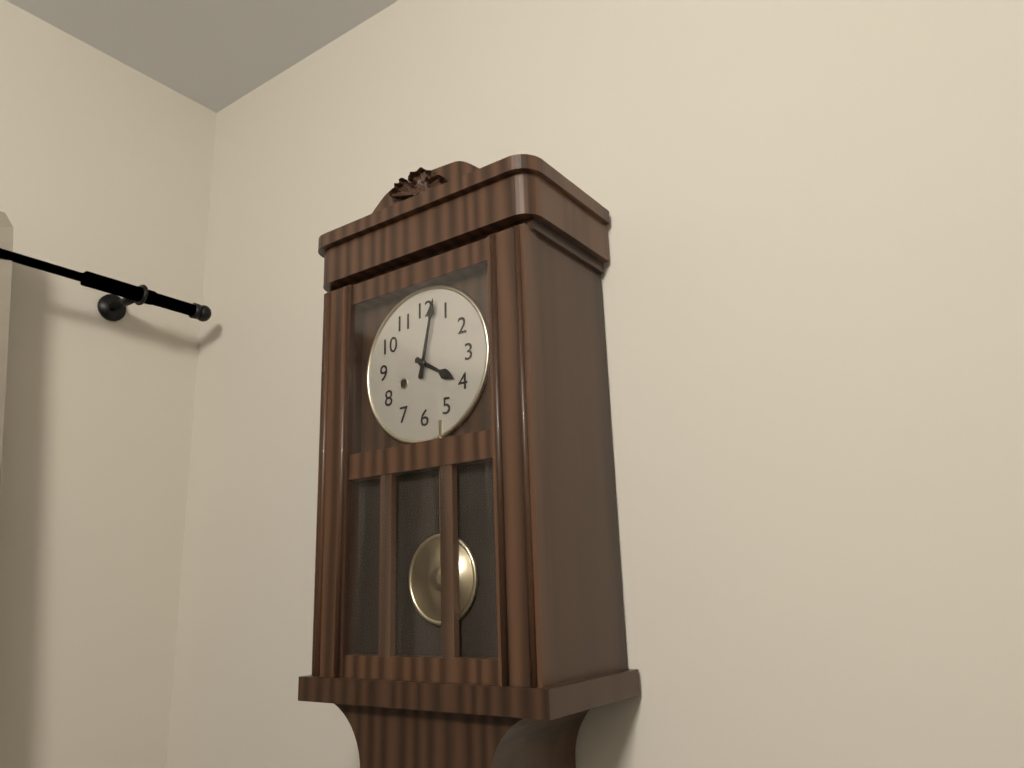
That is 4:02
